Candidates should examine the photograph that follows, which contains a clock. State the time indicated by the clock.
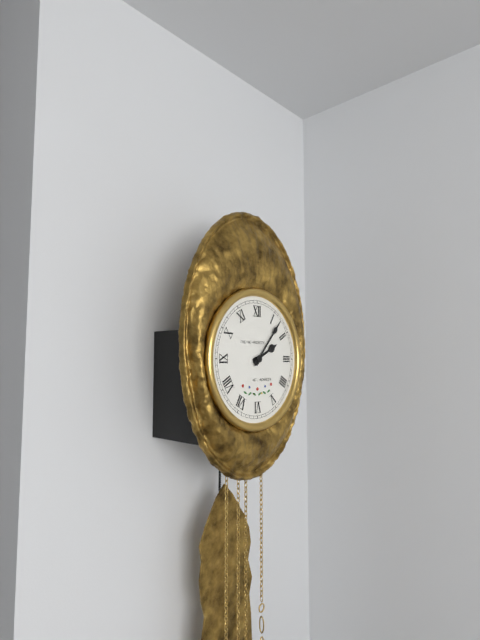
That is 2:07
